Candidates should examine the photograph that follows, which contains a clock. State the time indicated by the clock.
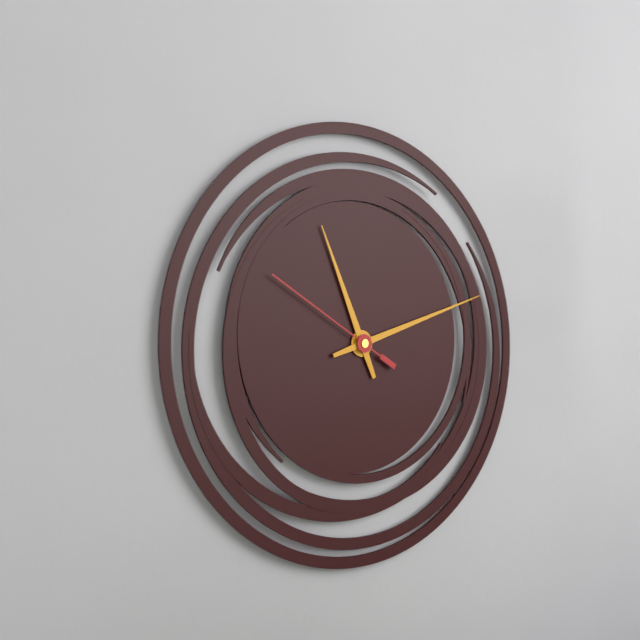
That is 11:12:50
